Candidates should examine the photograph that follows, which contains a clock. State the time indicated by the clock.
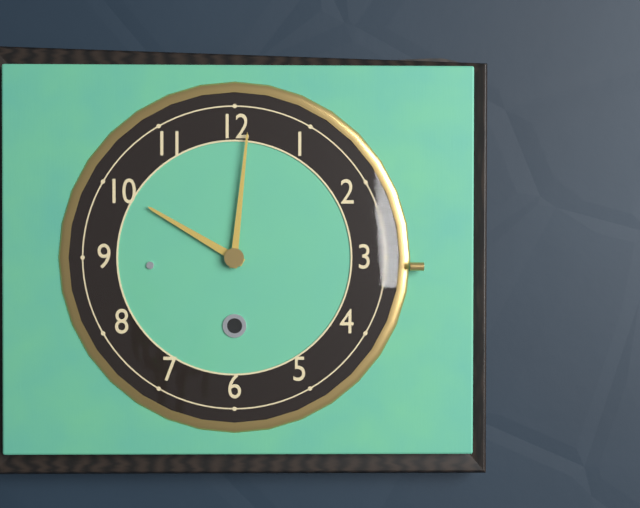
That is 10:01
